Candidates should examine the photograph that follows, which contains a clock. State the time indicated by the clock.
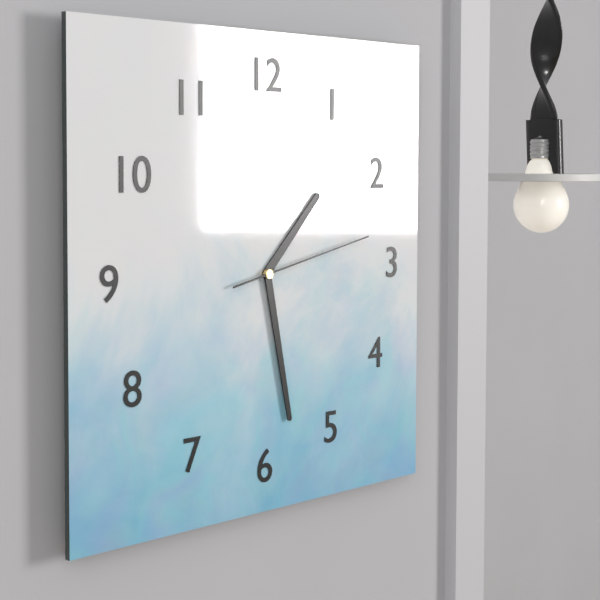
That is 1:28:13
